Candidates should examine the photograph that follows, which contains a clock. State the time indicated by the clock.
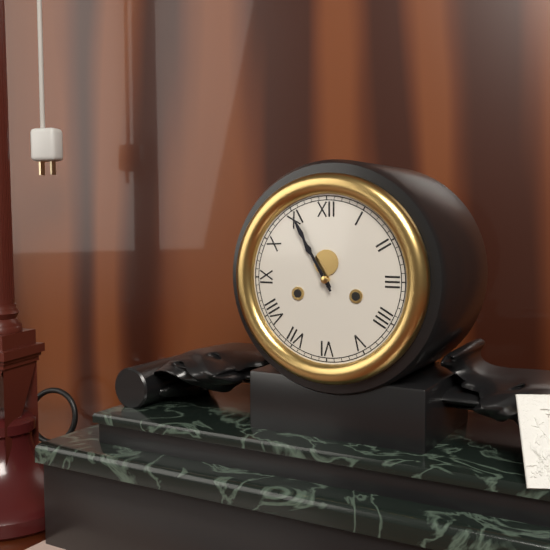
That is 10:55
